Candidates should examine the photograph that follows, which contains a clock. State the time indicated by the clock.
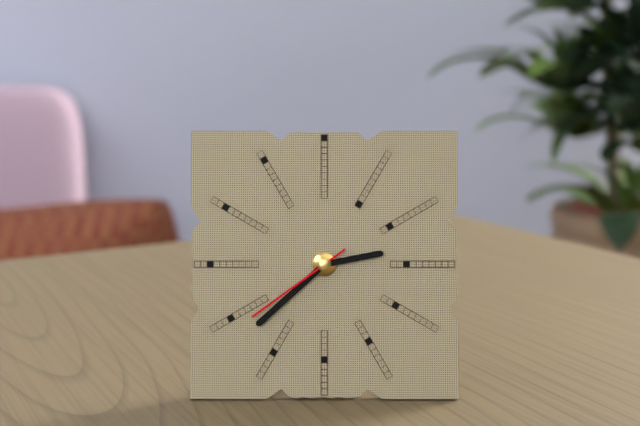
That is 2:38:39
